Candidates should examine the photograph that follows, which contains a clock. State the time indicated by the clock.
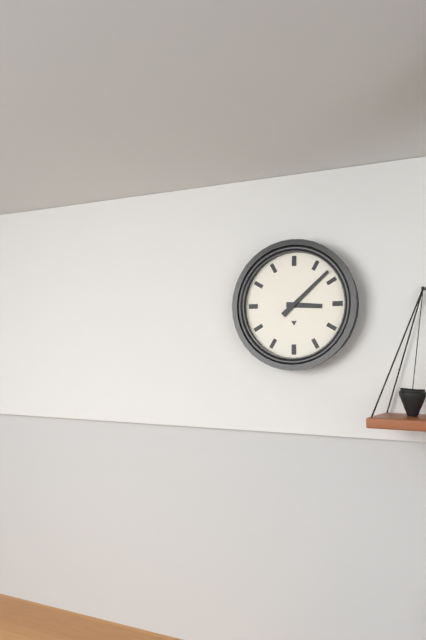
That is 3:08
